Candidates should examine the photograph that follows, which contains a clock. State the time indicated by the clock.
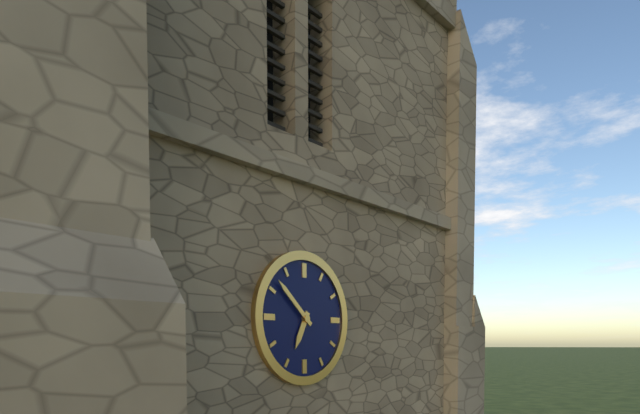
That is 6:52
